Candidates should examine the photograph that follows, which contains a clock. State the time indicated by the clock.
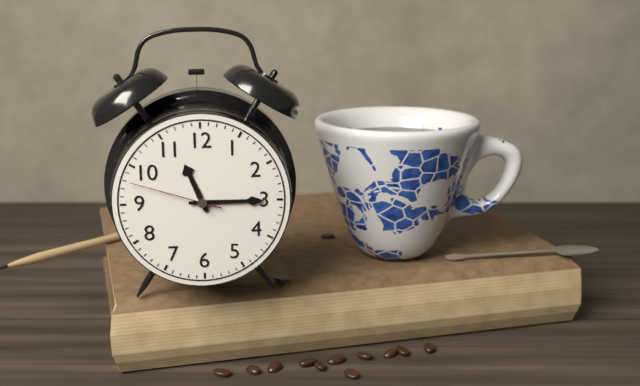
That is 11:15:48
